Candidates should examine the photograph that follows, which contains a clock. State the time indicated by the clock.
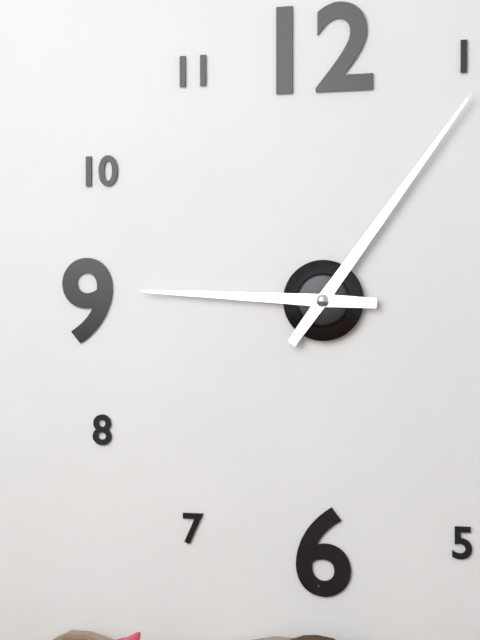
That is 9:06
